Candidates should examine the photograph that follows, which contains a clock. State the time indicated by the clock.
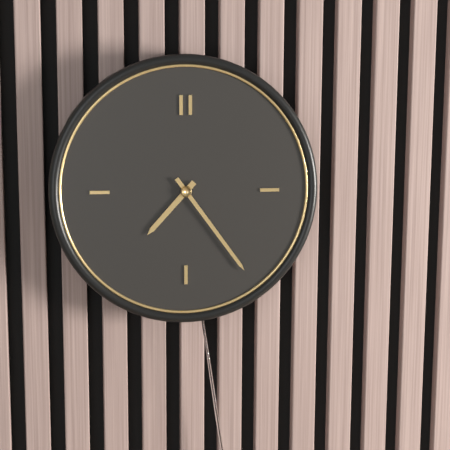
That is 7:24
